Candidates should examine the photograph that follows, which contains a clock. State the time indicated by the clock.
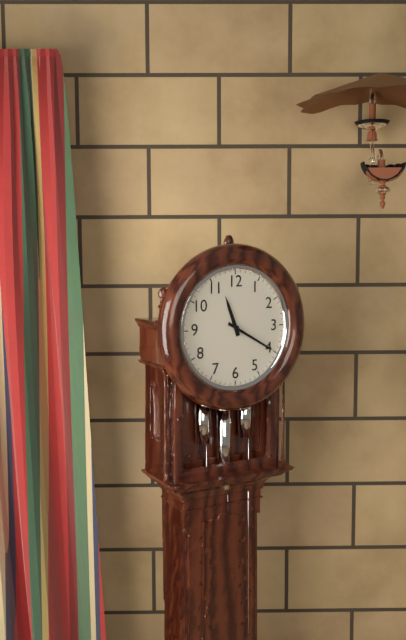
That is 11:20
